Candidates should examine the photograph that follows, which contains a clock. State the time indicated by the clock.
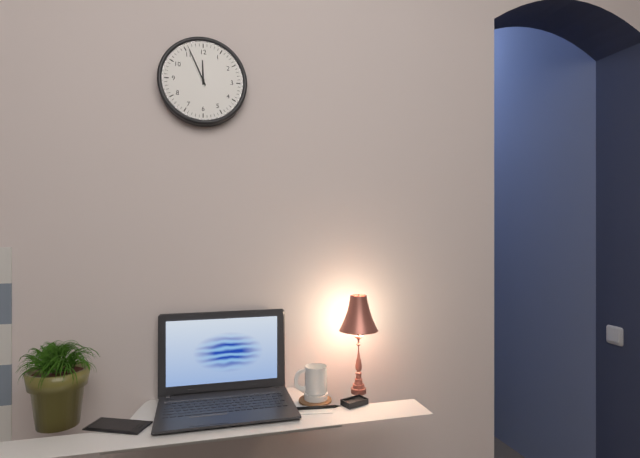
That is 11:56
